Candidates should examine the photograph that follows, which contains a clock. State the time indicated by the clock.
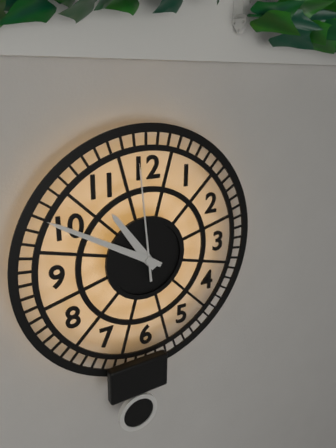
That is 10:50:59
